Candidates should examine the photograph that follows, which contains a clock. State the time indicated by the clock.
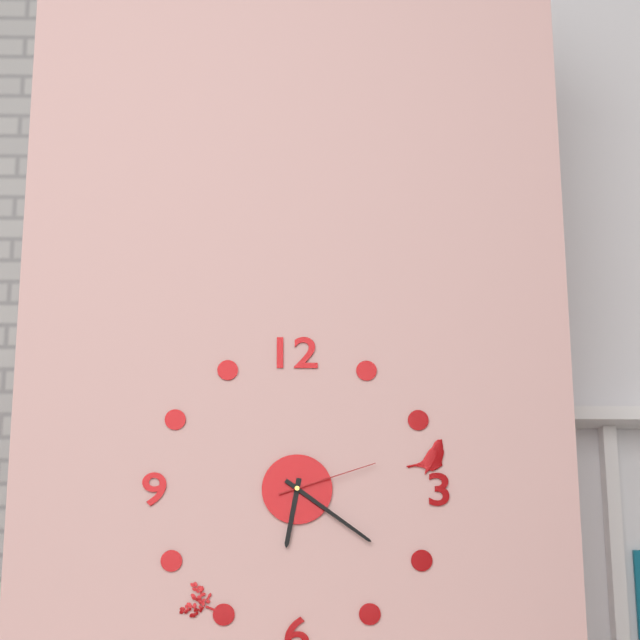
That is 6:21:12
